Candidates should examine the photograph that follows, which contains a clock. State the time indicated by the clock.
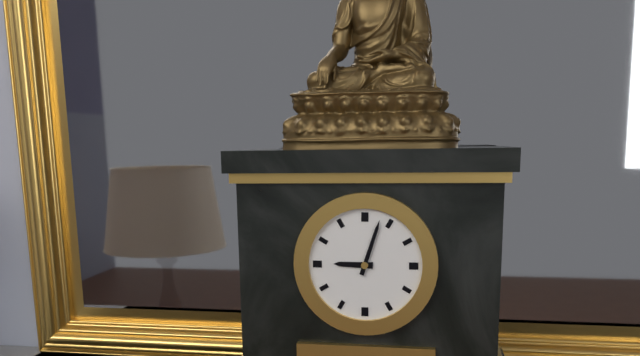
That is 9:03
